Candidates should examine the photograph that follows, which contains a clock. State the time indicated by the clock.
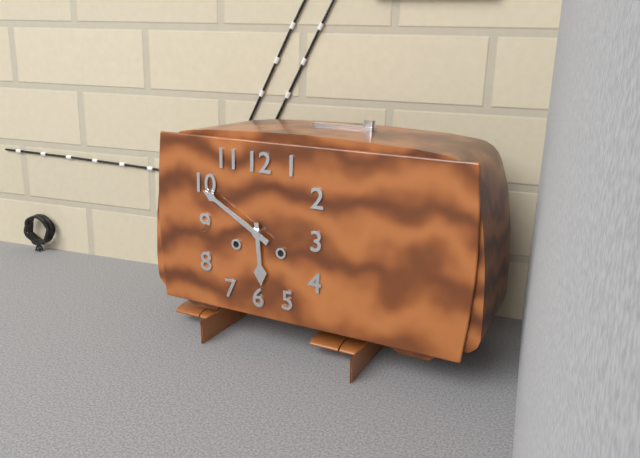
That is 5:50
